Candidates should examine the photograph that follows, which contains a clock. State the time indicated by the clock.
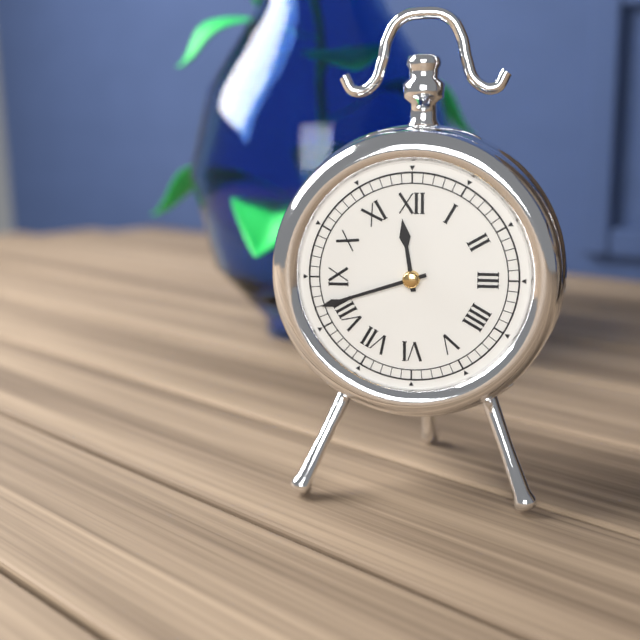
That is 11:42
